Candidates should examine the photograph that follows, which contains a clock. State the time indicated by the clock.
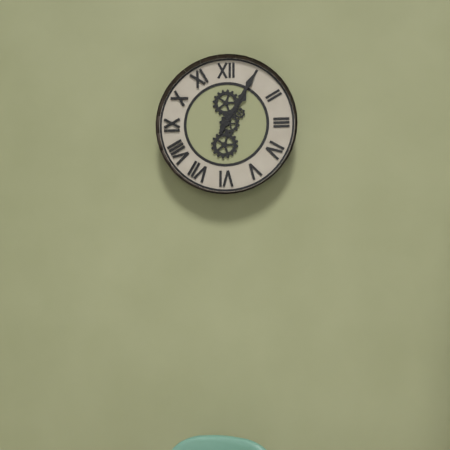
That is 1:05
